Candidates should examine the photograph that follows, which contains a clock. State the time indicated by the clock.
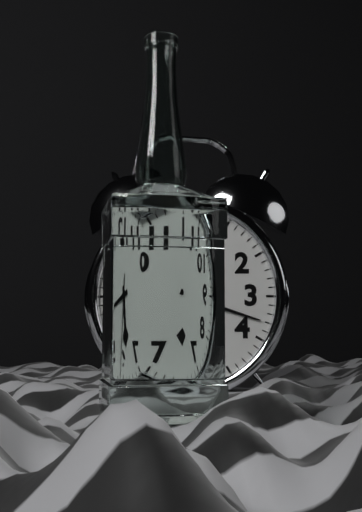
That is 6:18:29
